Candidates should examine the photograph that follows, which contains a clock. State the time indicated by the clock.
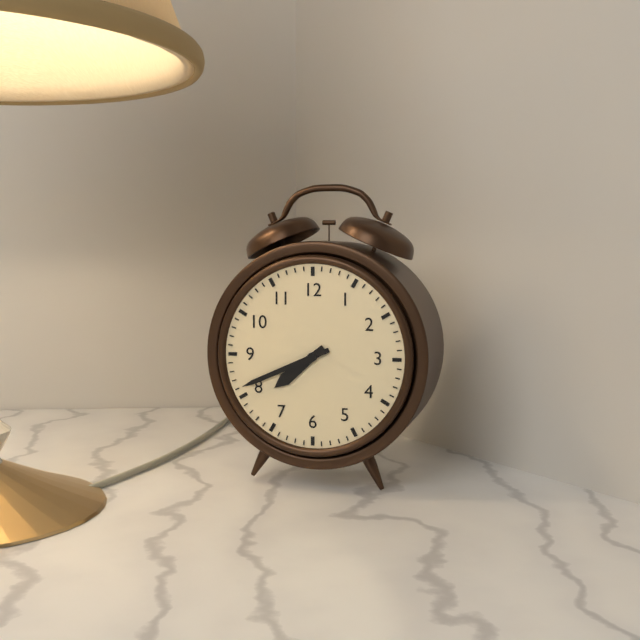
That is 7:41
